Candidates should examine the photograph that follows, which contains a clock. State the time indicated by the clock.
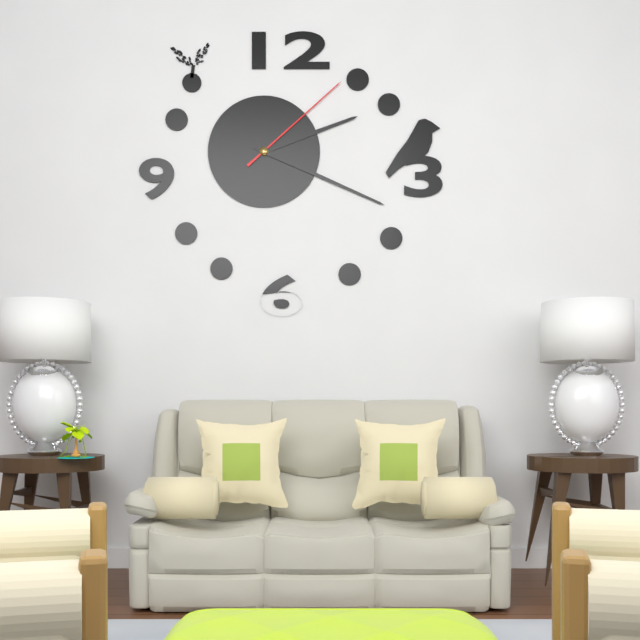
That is 2:19:08
